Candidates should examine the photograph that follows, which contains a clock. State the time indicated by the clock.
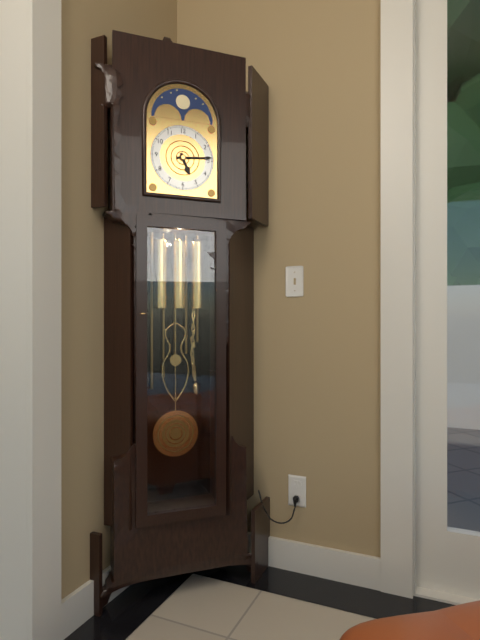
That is 5:14
